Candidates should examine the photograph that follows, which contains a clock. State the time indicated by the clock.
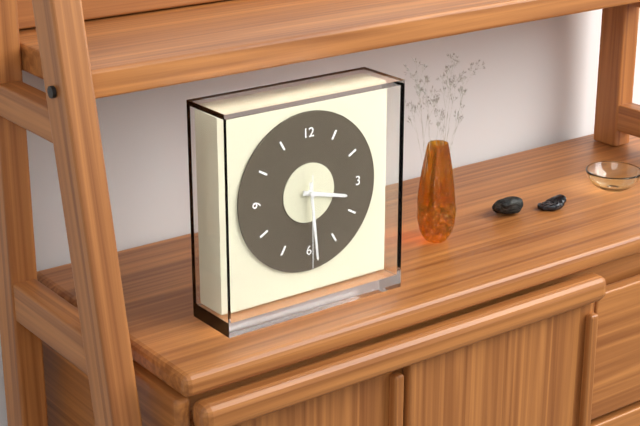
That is 3:29:30
